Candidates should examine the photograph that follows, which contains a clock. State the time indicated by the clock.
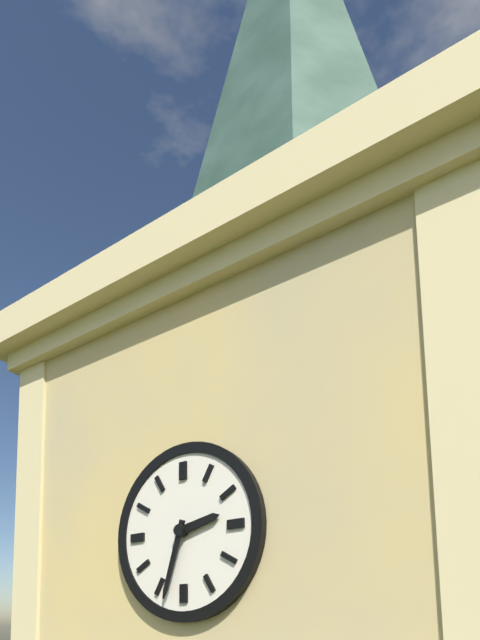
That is 2:33
